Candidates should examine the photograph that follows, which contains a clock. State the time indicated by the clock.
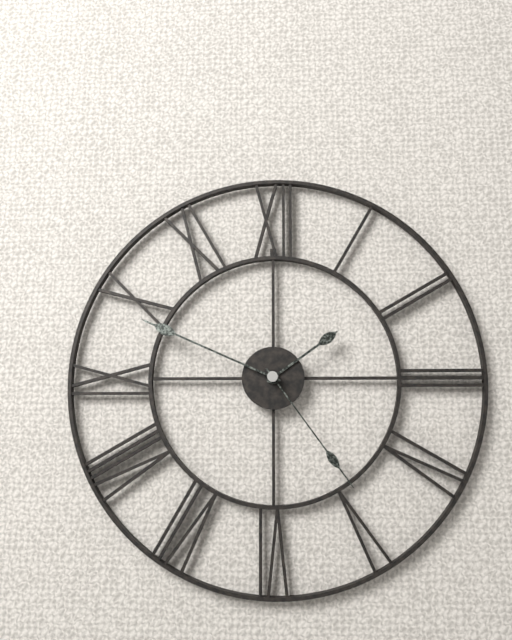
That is 1:49:24
